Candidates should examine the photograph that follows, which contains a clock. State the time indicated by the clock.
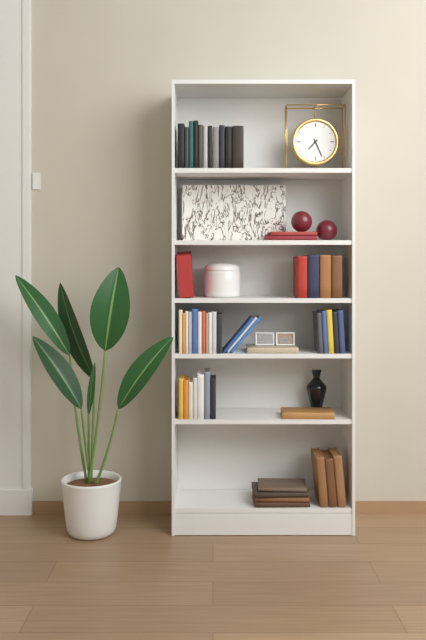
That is 7:26
